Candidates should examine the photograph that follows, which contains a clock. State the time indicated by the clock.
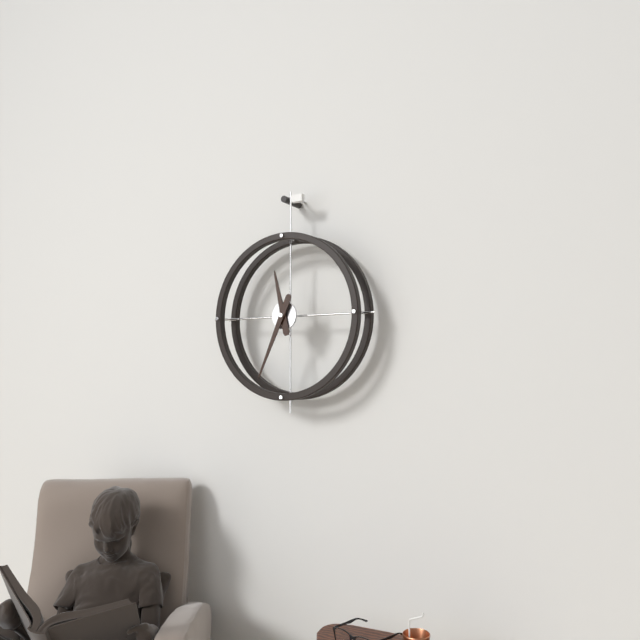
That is 11:34
